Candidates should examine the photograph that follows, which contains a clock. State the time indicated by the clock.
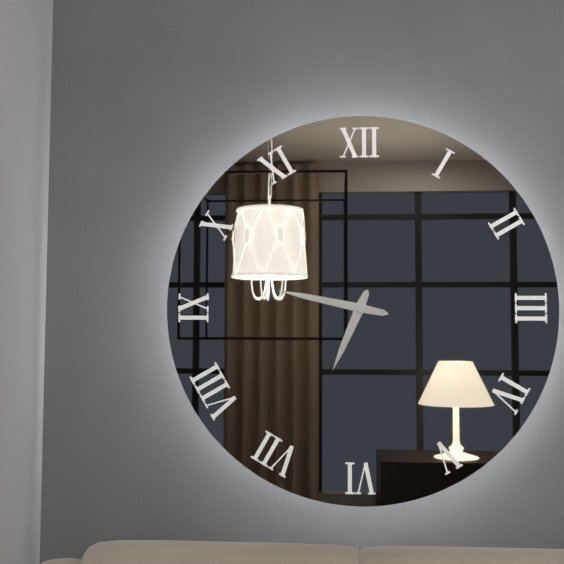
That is 6:47
